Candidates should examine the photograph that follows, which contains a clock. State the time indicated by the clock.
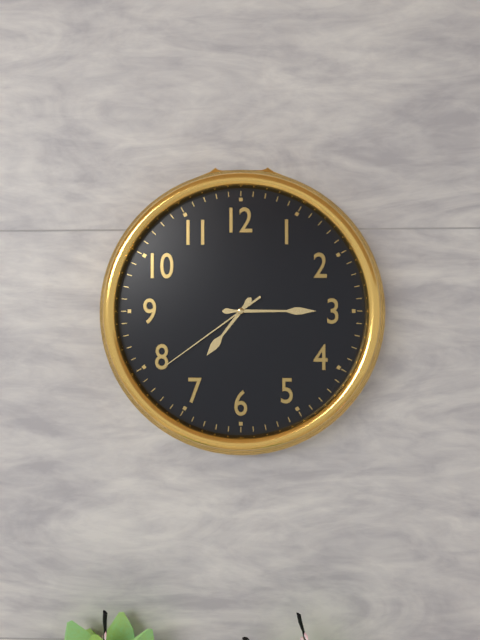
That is 7:15:39
